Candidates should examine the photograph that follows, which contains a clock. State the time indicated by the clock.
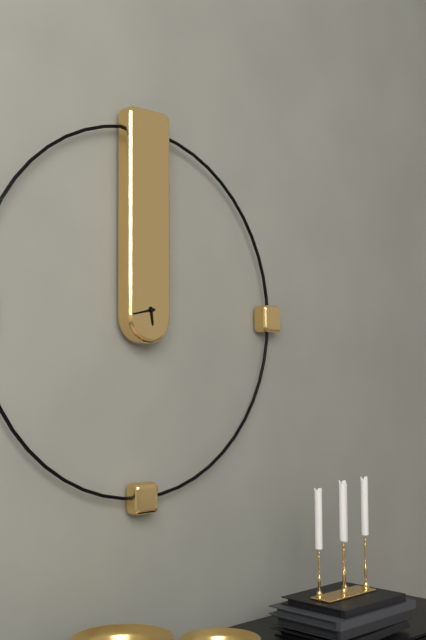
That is 5:43
